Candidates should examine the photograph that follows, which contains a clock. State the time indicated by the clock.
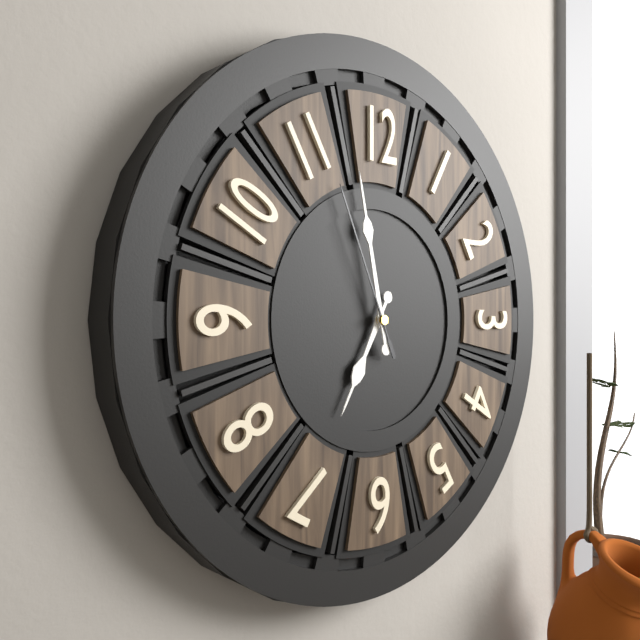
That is 6:58:56
